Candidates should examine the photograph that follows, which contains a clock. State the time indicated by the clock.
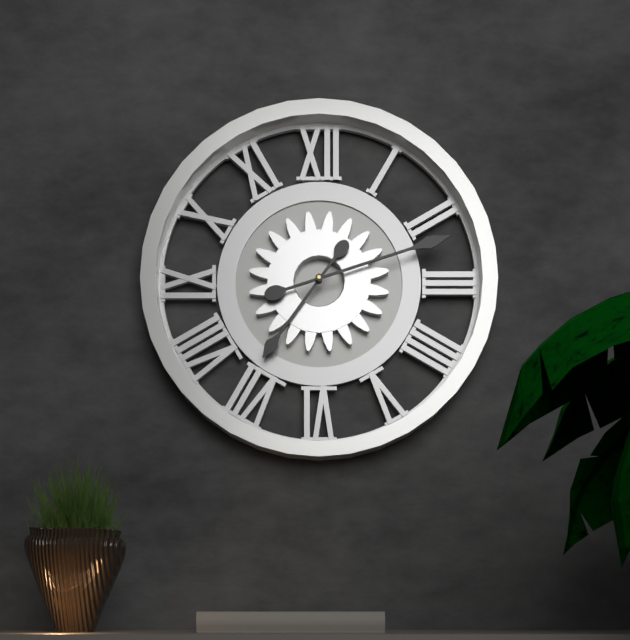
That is 7:12
